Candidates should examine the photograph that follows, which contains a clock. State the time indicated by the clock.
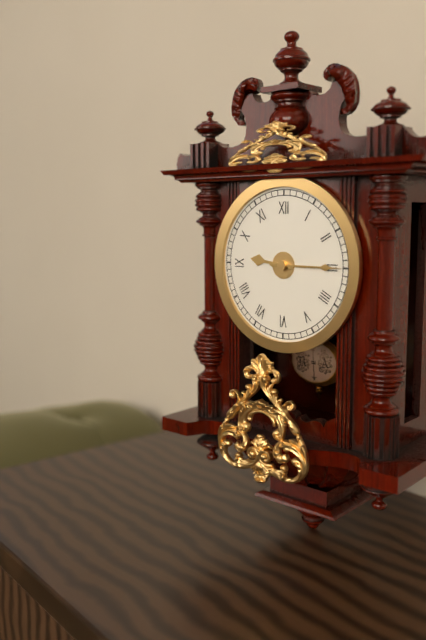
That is 9:15
